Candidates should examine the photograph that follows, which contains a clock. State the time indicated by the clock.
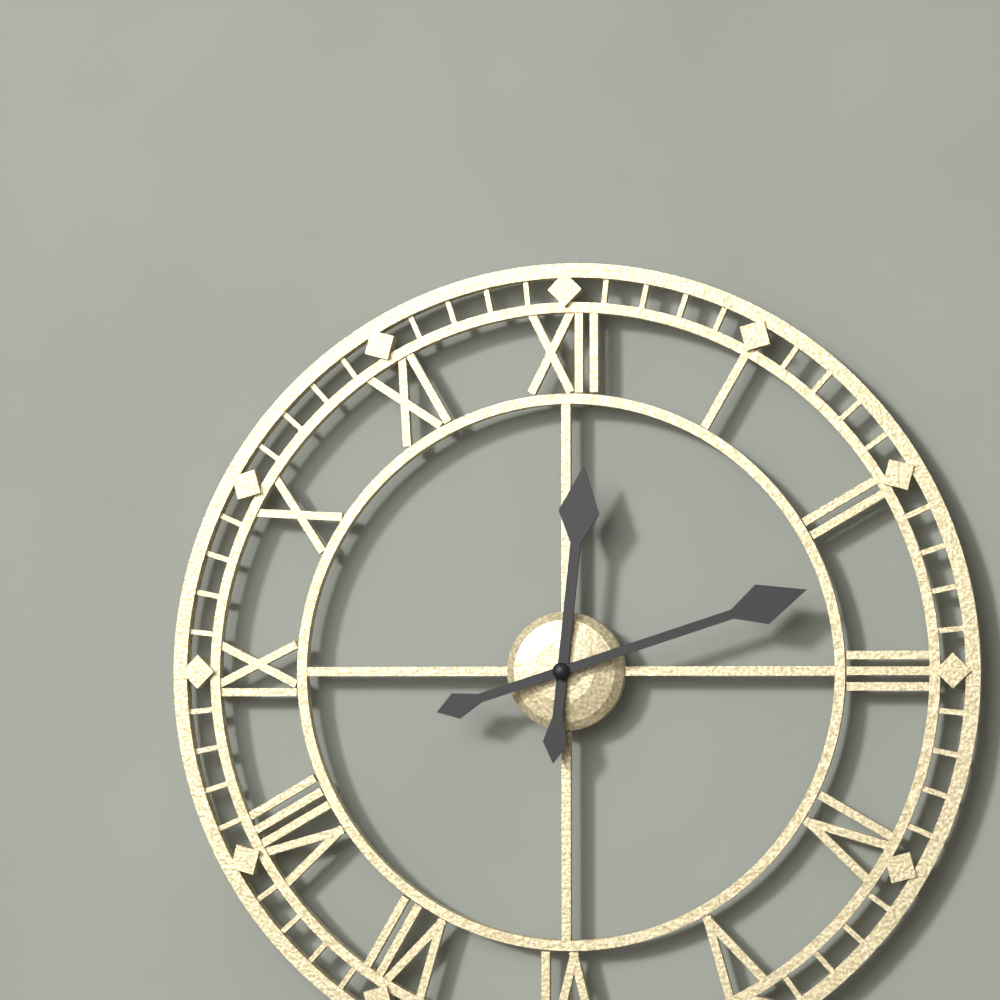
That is 12:12
